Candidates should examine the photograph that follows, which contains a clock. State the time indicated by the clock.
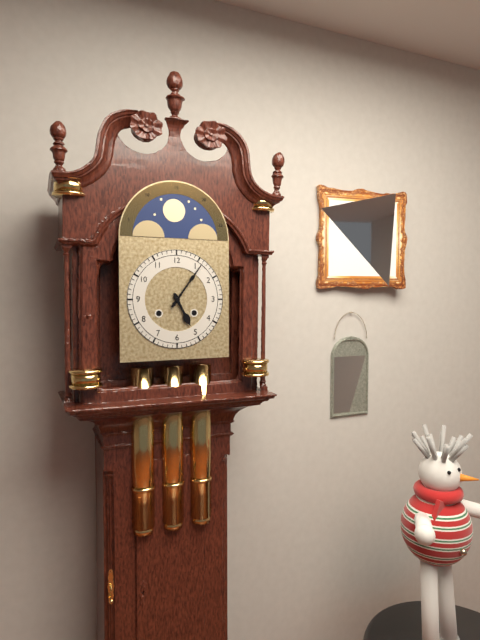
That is 5:06
